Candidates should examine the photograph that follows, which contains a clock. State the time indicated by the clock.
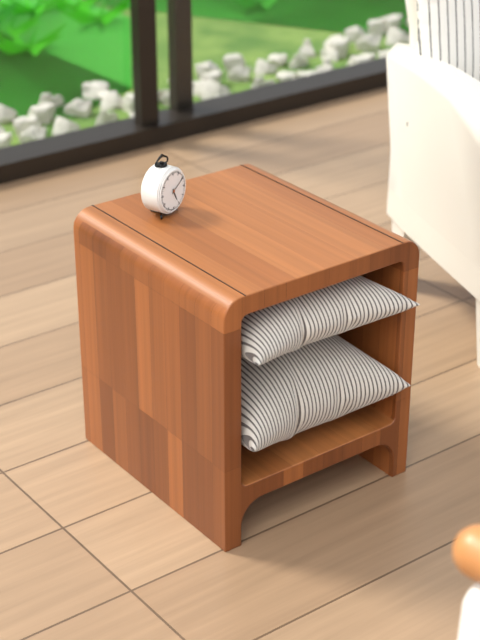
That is 5:10
